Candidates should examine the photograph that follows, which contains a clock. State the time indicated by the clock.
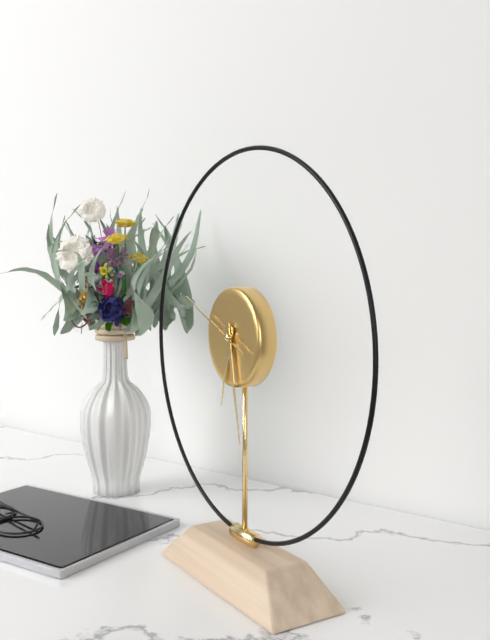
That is 6:28:49
